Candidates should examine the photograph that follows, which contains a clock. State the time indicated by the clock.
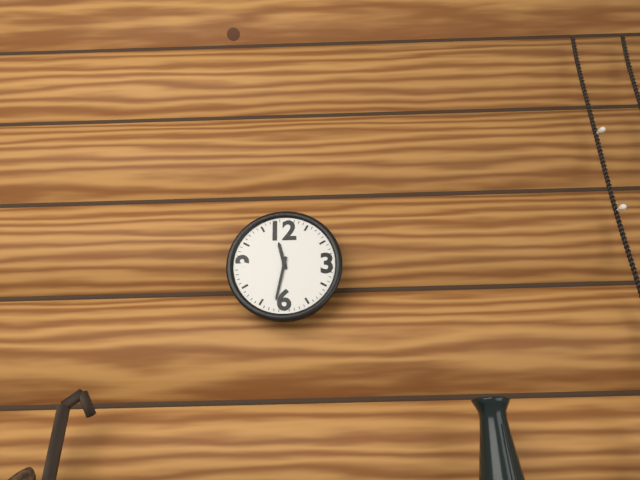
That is 11:32
